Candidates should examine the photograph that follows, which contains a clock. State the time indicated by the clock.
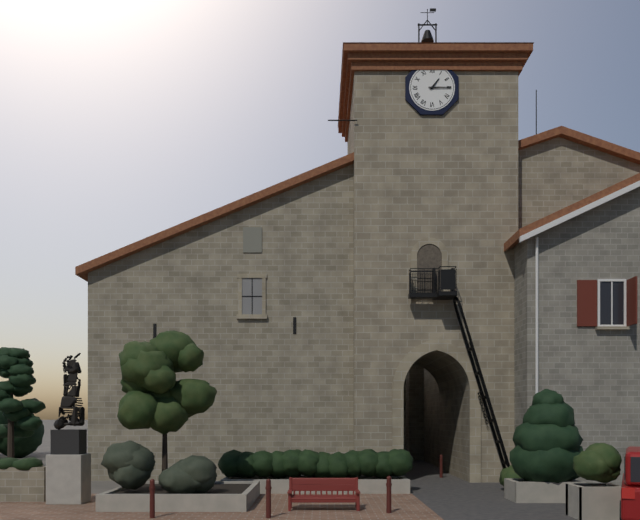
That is 1:15
